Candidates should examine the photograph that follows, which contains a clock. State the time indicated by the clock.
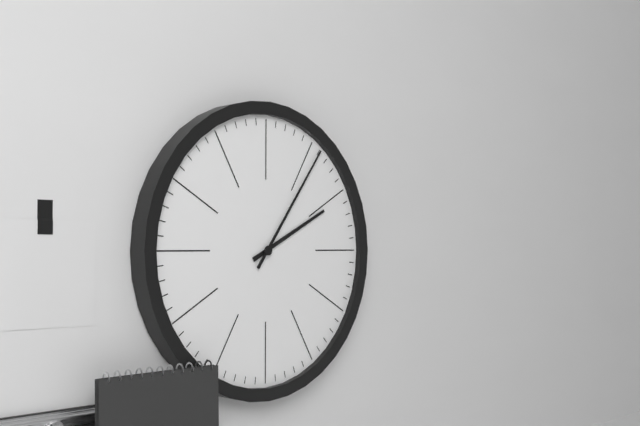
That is 2:06
